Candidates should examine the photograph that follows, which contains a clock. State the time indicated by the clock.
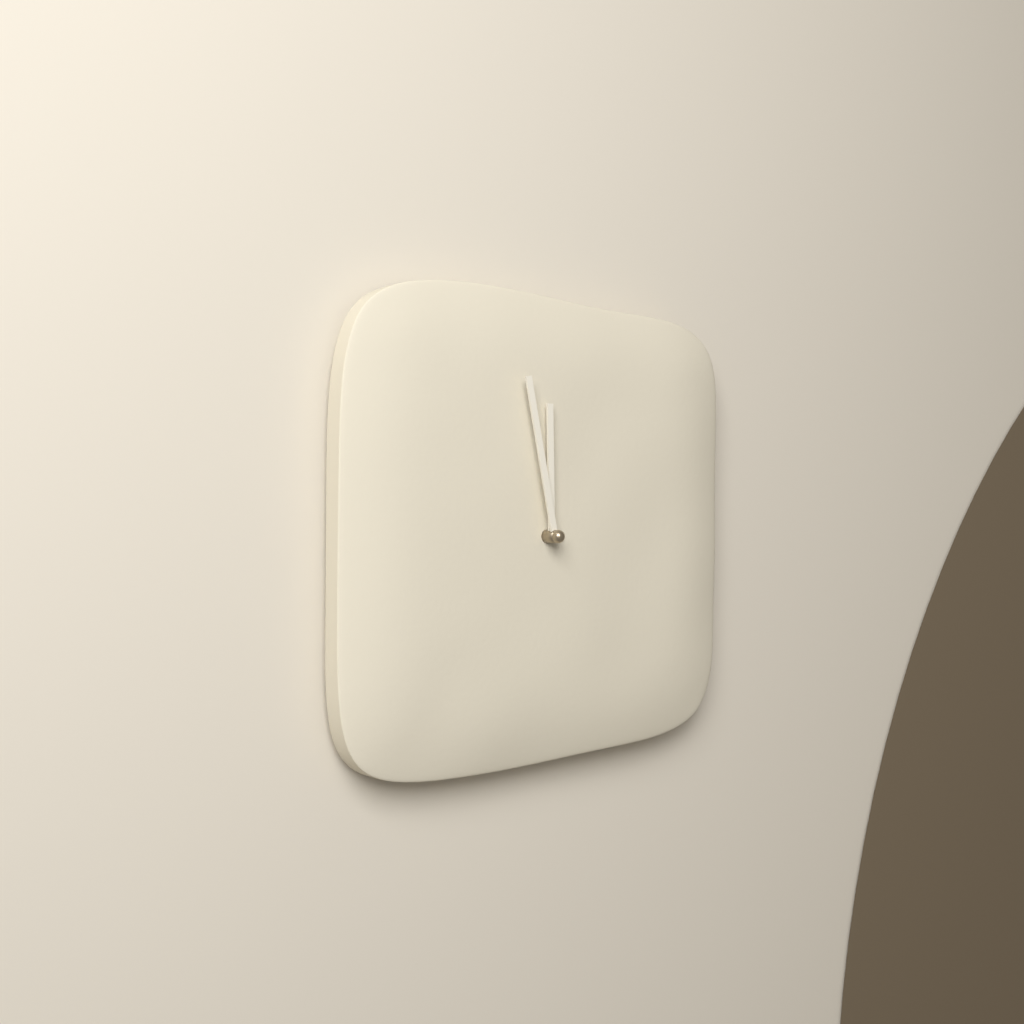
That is 11:58
